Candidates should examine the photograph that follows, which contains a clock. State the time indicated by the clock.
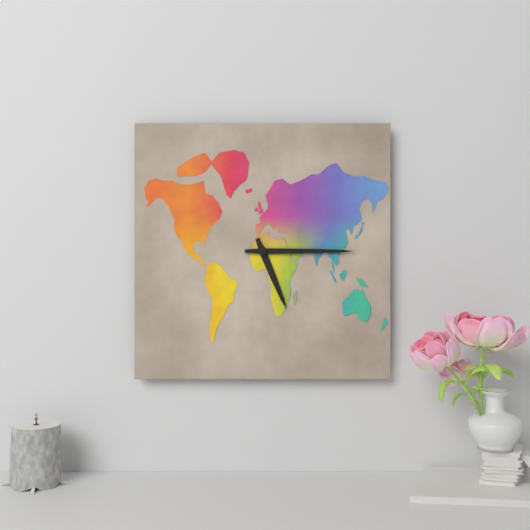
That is 5:15
